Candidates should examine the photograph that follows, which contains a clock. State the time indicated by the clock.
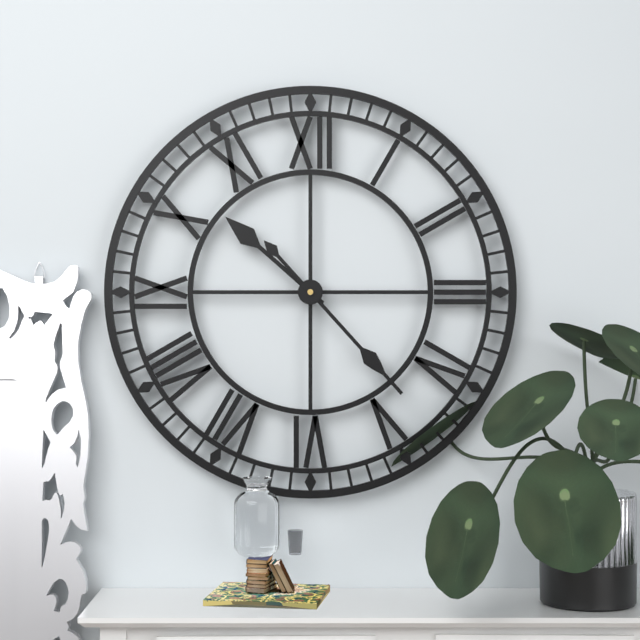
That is 10:23
